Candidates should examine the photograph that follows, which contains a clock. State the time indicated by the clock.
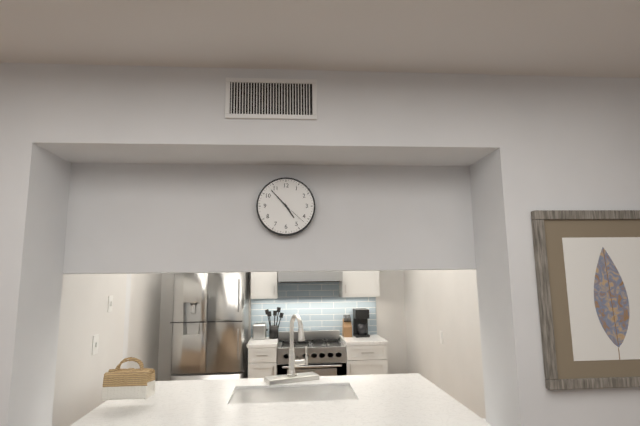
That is 4:53
